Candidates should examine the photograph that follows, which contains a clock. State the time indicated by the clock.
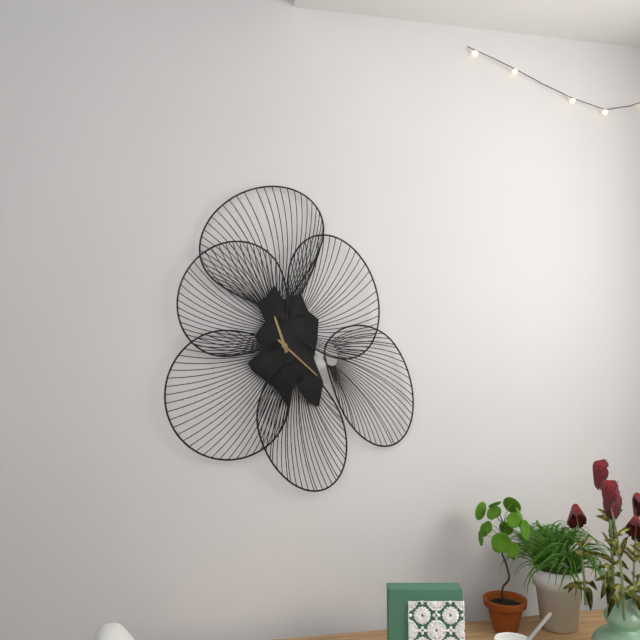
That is 11:22
